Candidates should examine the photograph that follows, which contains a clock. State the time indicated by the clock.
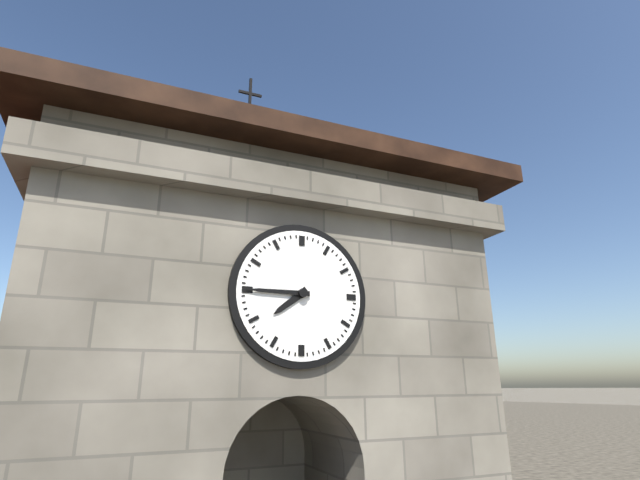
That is 7:45
